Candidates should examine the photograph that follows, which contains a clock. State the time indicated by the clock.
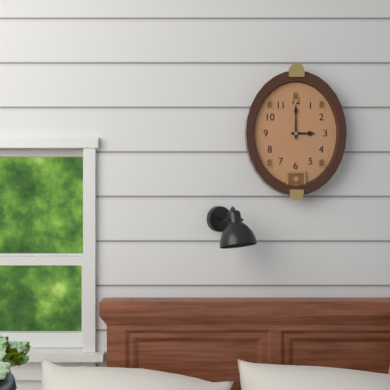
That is 3:00
